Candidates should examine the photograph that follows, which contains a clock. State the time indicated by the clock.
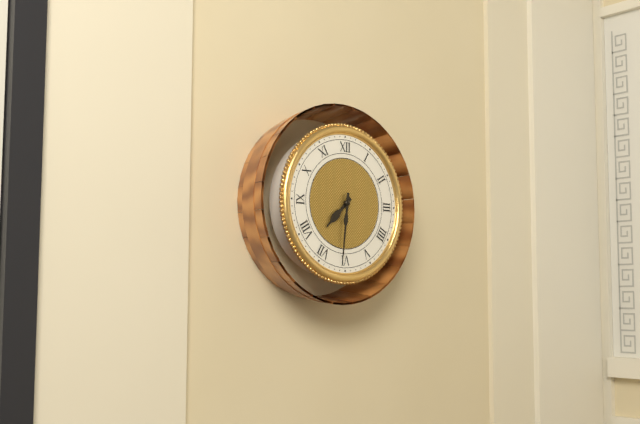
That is 7:31
